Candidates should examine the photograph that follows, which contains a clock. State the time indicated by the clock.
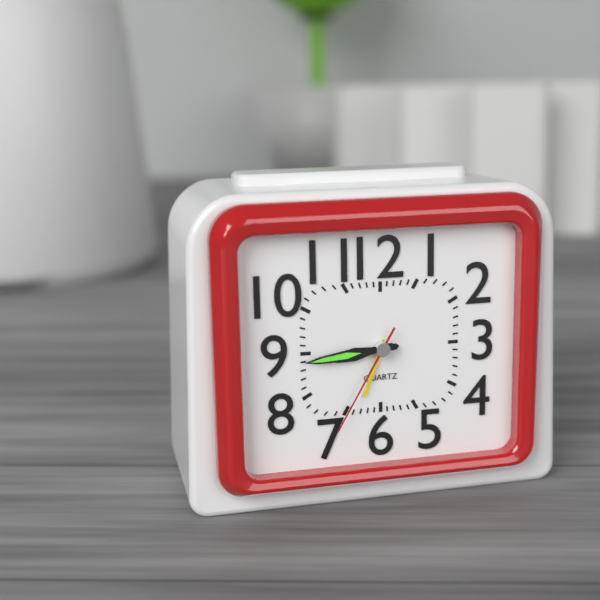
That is 8:44:35
